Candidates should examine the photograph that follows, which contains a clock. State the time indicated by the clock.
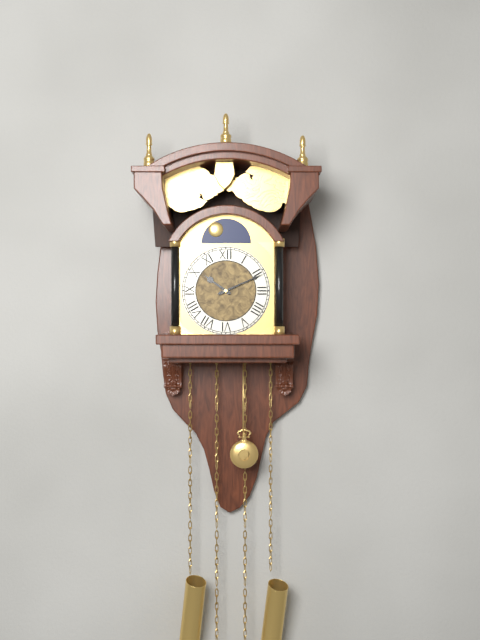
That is 10:11
